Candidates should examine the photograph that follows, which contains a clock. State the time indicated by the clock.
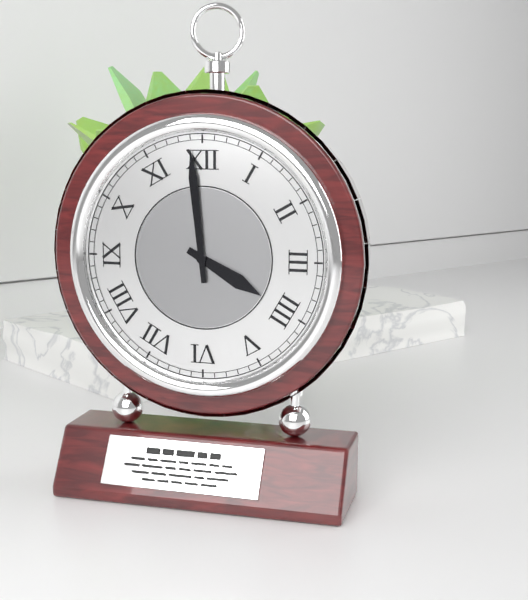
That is 3:59
